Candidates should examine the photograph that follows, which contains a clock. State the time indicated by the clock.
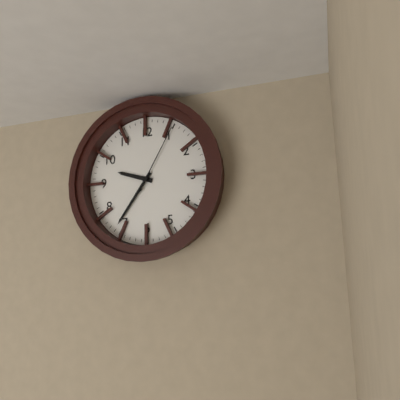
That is 9:36:05
